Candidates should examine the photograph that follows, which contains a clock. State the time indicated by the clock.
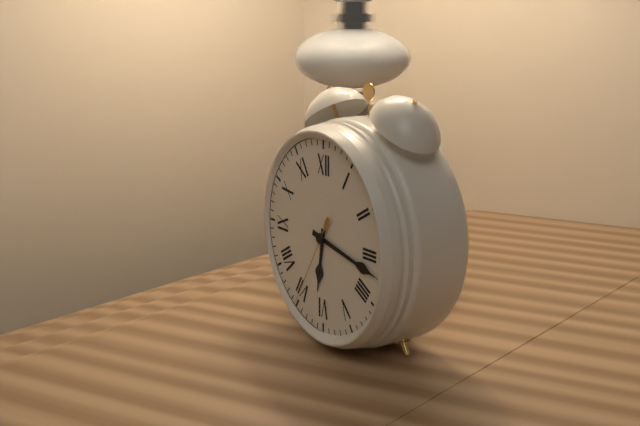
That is 6:17:35
